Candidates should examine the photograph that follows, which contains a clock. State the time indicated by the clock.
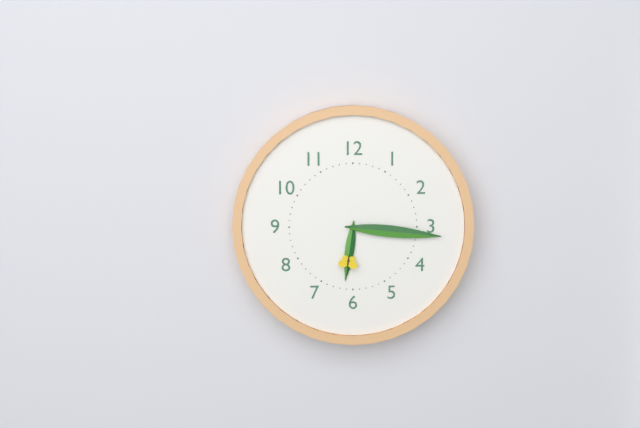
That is 6:16
